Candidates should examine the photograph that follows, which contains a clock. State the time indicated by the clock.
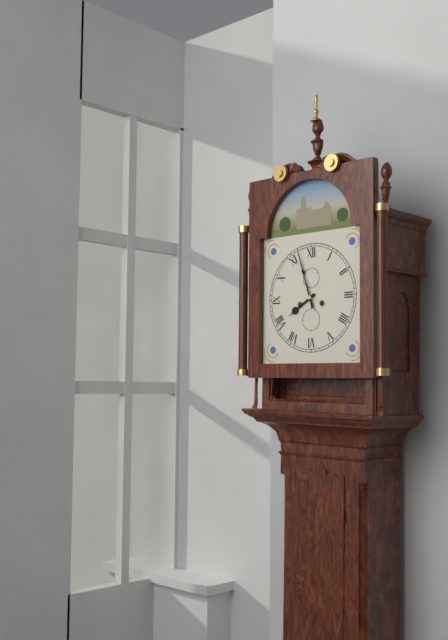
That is 7:57
